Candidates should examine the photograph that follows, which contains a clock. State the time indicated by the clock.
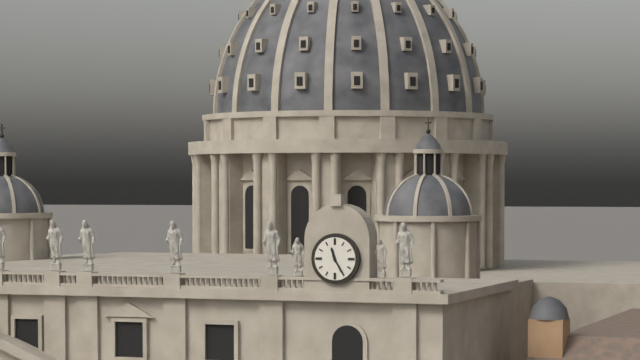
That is 11:25
